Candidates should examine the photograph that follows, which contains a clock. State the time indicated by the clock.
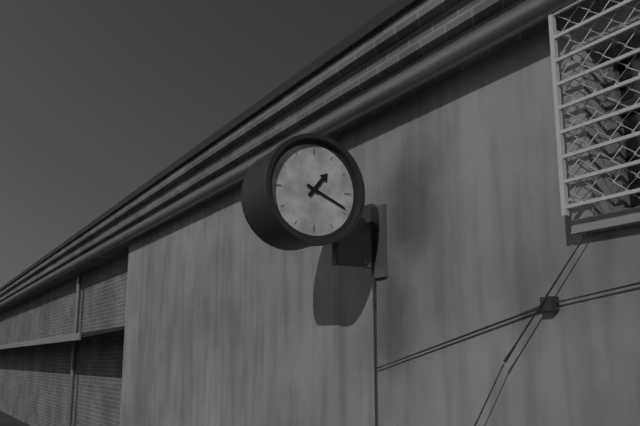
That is 1:19
